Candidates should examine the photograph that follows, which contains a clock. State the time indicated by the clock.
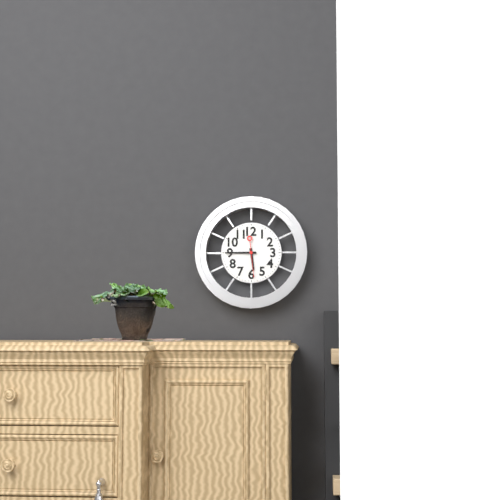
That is 5:45
